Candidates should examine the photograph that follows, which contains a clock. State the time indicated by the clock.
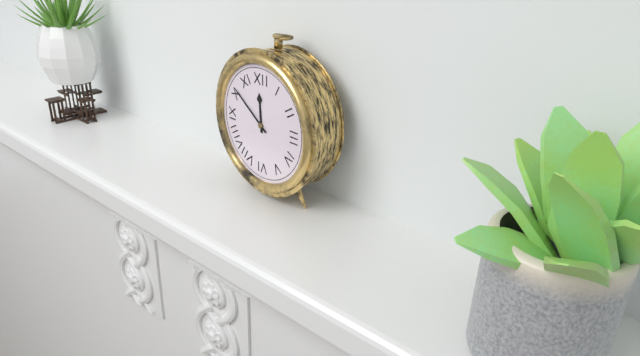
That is 11:51
